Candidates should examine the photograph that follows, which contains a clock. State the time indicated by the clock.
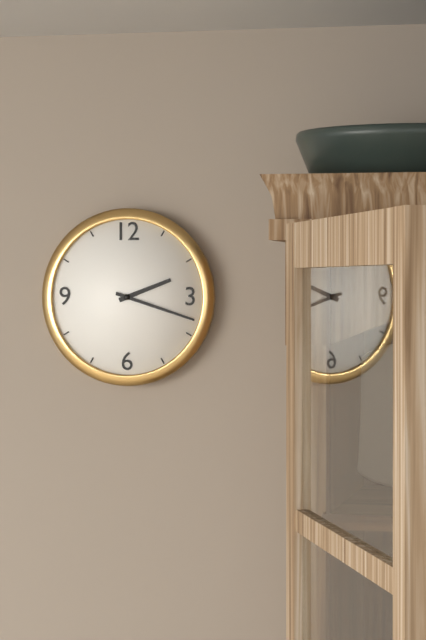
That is 2:18
